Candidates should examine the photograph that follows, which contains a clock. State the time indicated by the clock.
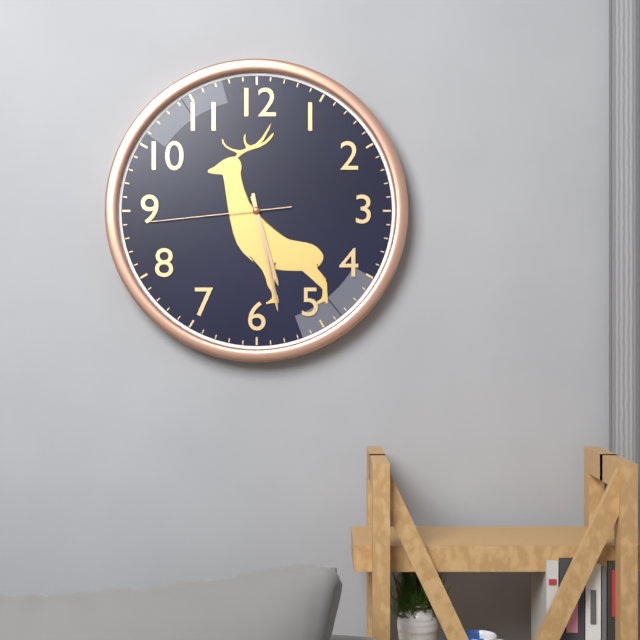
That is 5:28:44
